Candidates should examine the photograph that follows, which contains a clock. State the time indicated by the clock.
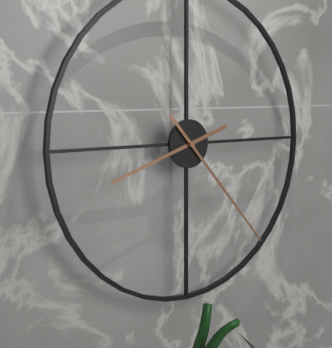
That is 8:23
